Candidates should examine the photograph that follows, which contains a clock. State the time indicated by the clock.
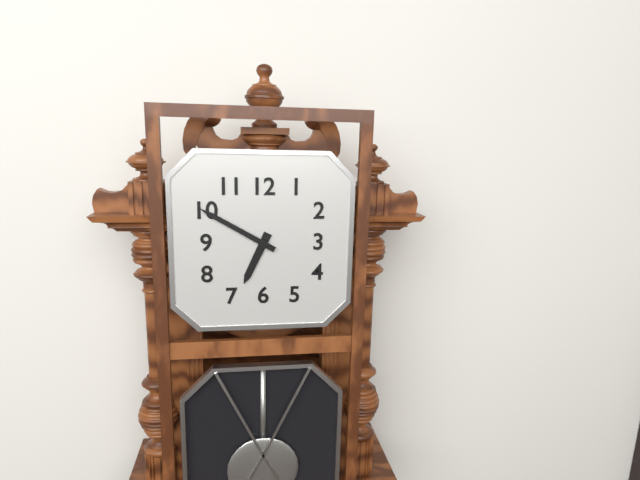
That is 6:50
